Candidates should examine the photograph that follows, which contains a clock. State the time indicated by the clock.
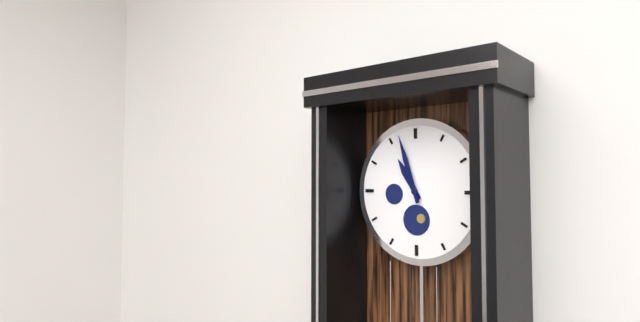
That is 10:57
